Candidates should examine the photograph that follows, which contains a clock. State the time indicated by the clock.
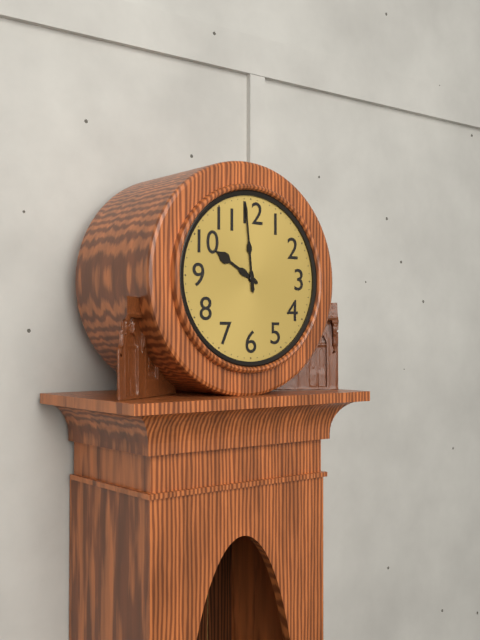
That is 9:59
